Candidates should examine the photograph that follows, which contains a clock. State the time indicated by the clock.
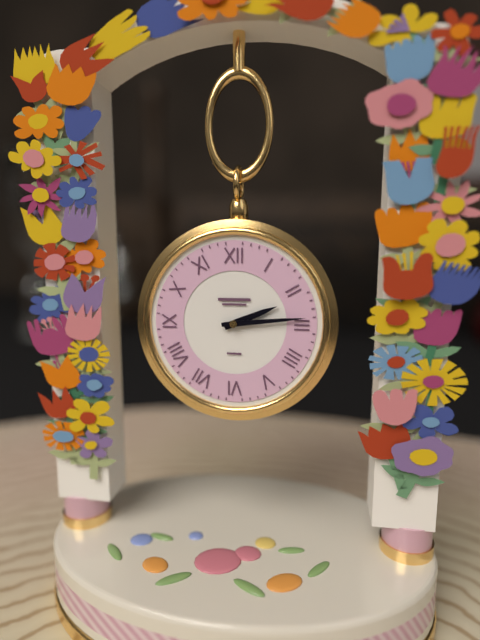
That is 2:14
